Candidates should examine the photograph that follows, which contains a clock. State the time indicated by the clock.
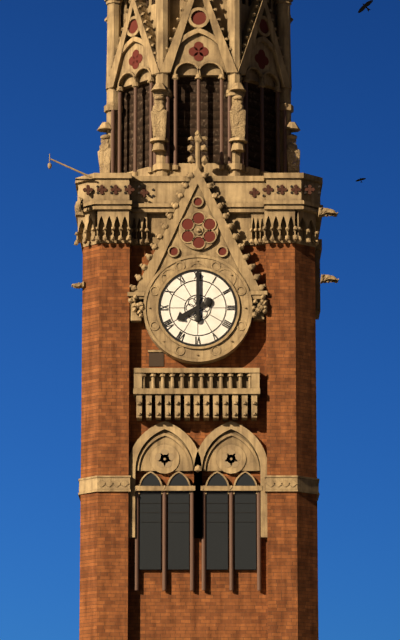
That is 8:00
